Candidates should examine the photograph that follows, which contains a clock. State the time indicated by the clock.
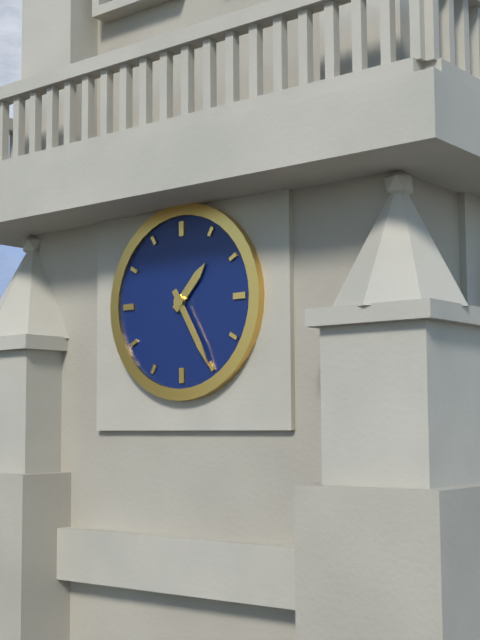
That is 1:25
